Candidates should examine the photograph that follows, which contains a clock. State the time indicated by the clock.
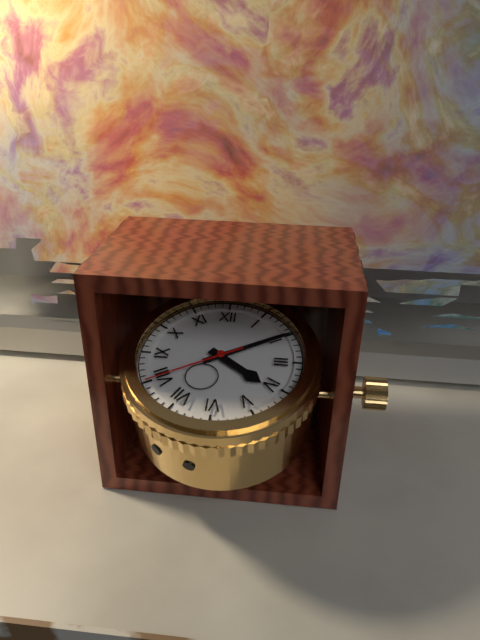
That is 4:10:40
